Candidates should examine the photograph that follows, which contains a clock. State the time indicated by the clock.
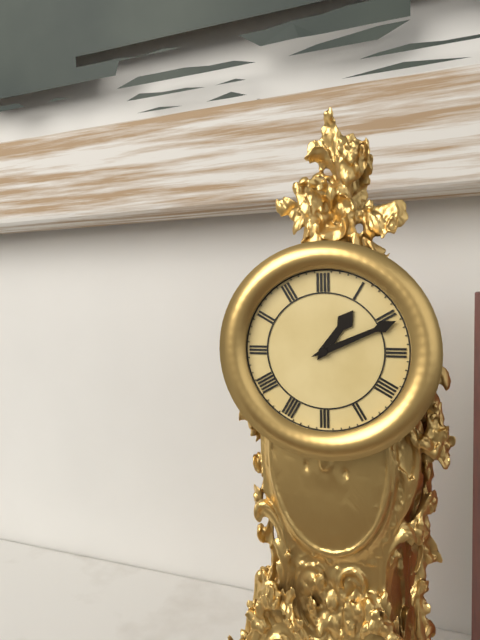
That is 1:11
